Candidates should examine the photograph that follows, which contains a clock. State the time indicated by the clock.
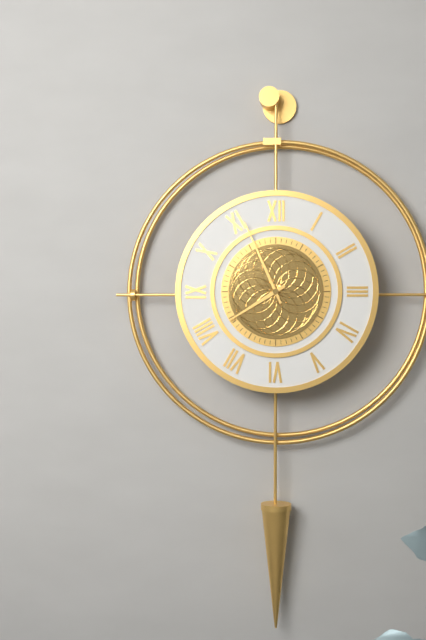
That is 7:56
